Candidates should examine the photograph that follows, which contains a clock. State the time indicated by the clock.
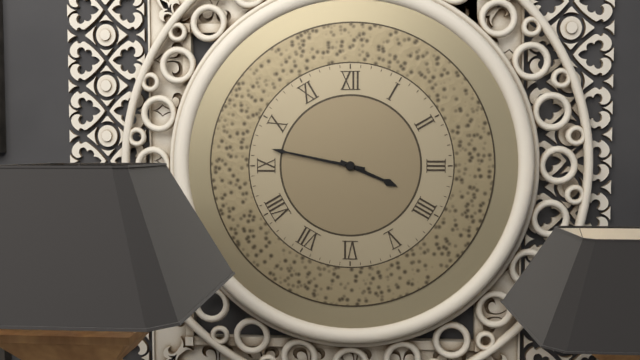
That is 3:47
